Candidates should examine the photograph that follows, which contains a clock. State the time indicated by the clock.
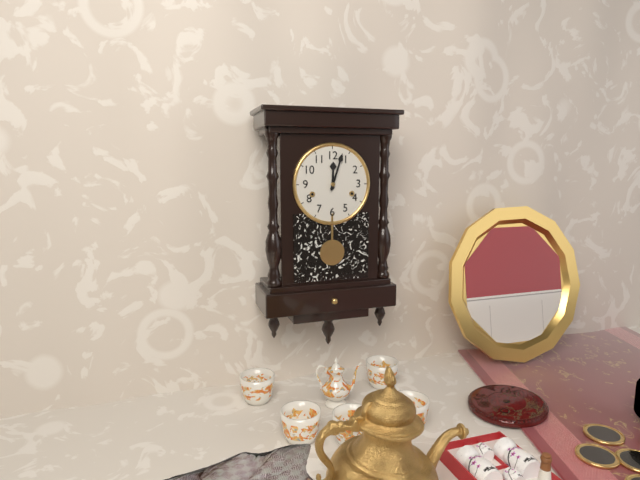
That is 12:03
